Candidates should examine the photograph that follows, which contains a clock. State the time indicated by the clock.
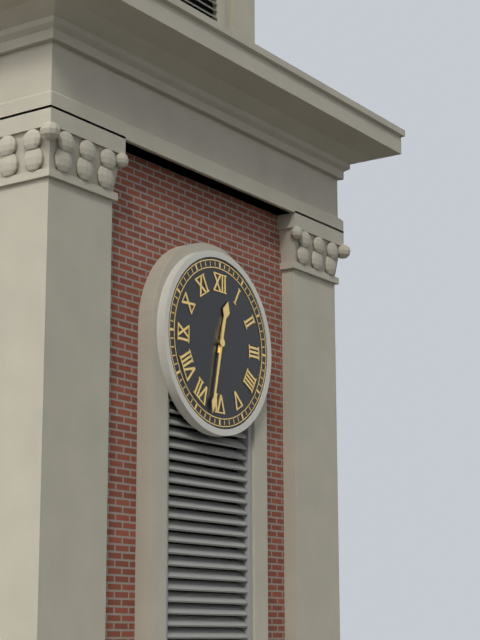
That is 12:32
